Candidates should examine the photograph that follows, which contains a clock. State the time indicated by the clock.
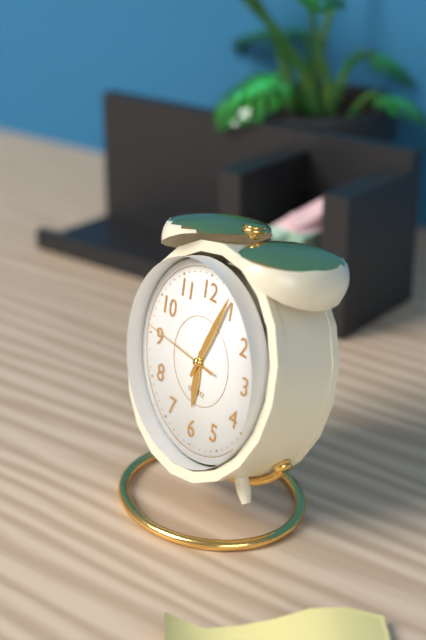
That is 6:04:46
